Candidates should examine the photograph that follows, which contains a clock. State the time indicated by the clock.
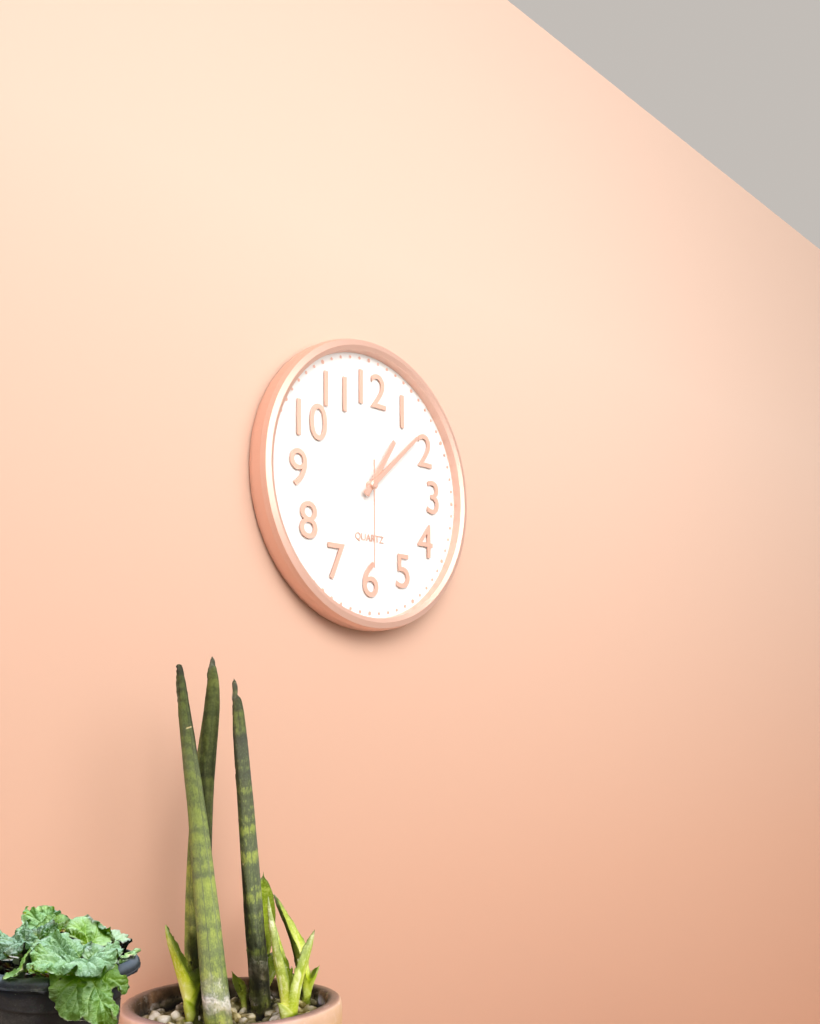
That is 1:08:30
